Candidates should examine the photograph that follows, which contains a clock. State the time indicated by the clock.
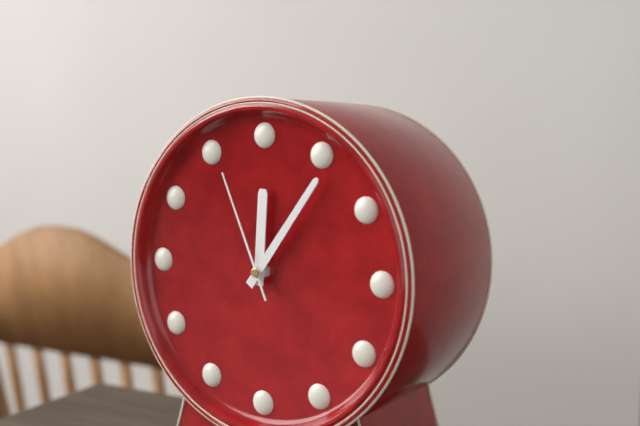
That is 12:06:56
